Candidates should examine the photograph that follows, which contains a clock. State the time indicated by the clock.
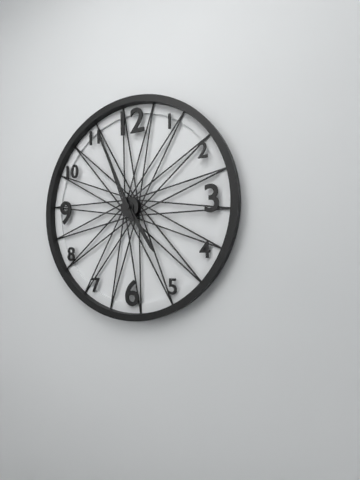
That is 4:56
